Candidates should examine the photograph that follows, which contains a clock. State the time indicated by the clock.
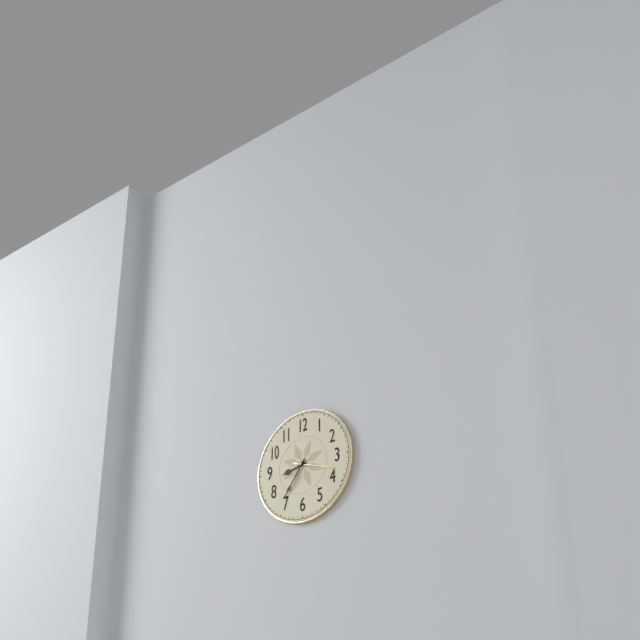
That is 8:36
